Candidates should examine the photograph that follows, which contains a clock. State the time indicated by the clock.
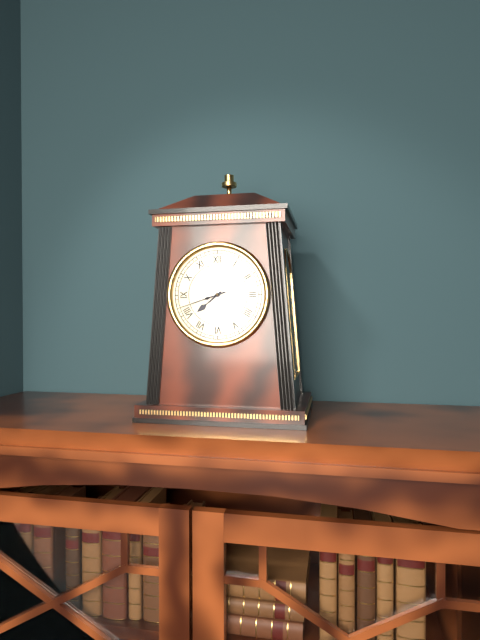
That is 7:42
